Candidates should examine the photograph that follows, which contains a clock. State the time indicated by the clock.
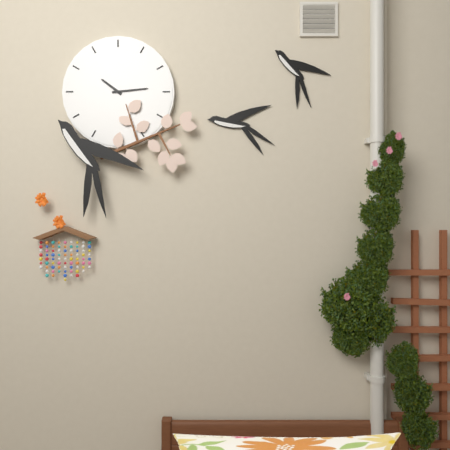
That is 10:14
